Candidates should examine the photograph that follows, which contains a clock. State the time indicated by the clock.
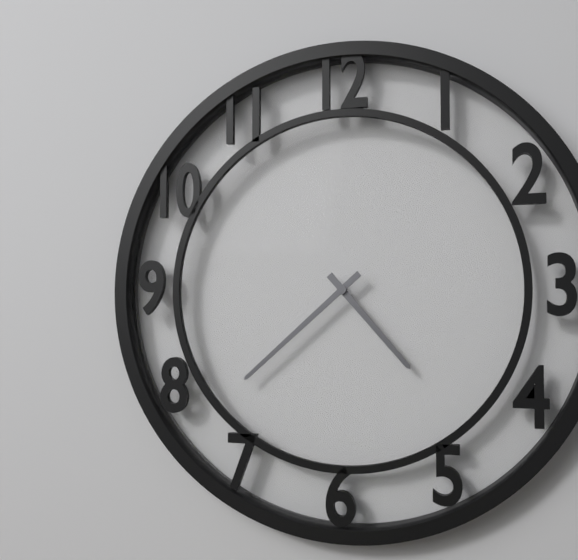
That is 4:38
